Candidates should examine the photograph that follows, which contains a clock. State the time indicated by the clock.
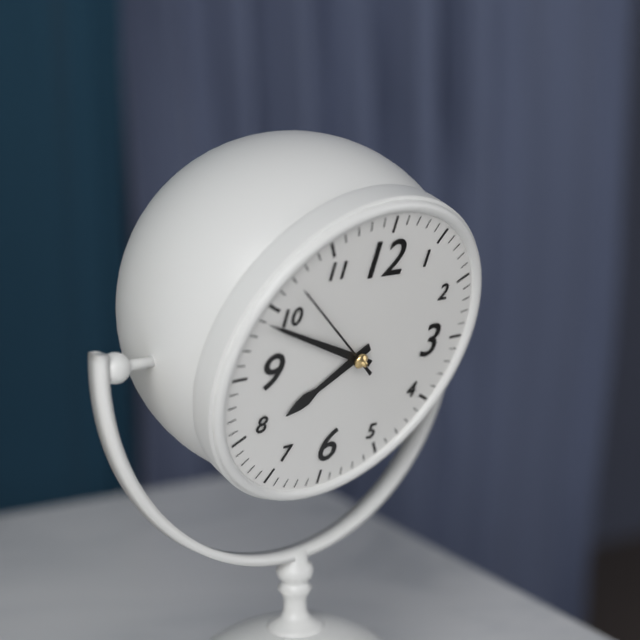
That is 7:49:52
